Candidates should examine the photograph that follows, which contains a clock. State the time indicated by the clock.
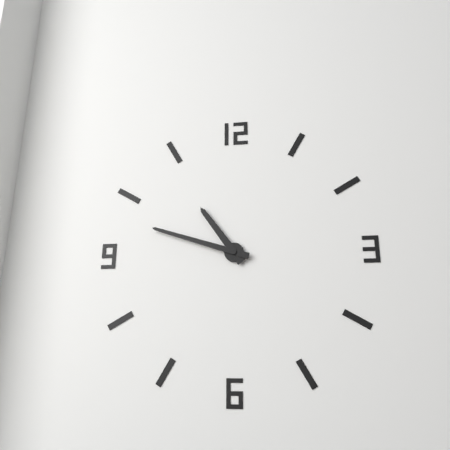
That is 10:48
